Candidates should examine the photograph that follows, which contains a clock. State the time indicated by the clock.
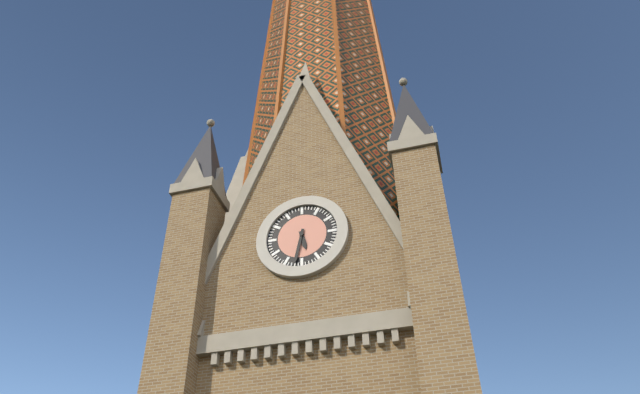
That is 5:32
